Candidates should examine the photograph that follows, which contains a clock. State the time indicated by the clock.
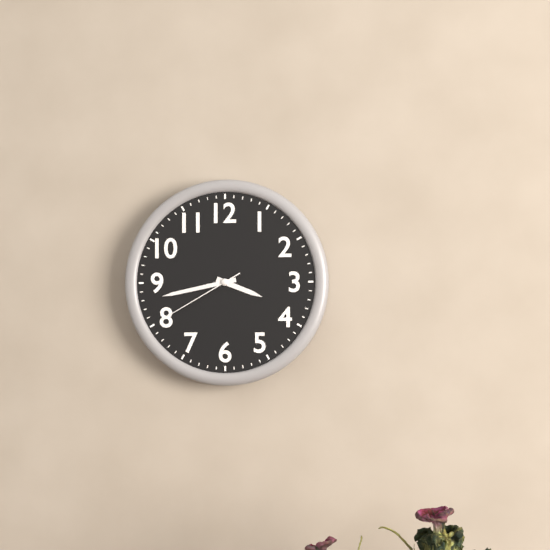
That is 3:43:40
